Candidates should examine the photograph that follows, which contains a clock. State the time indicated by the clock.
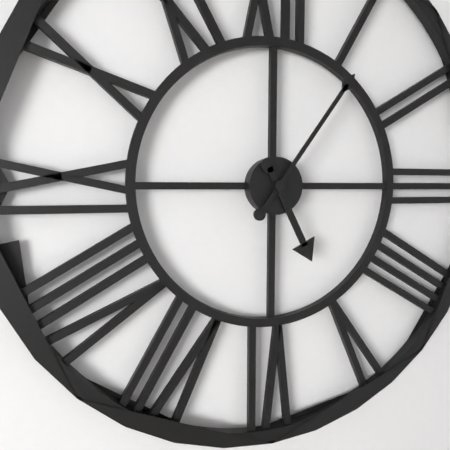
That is 5:06
